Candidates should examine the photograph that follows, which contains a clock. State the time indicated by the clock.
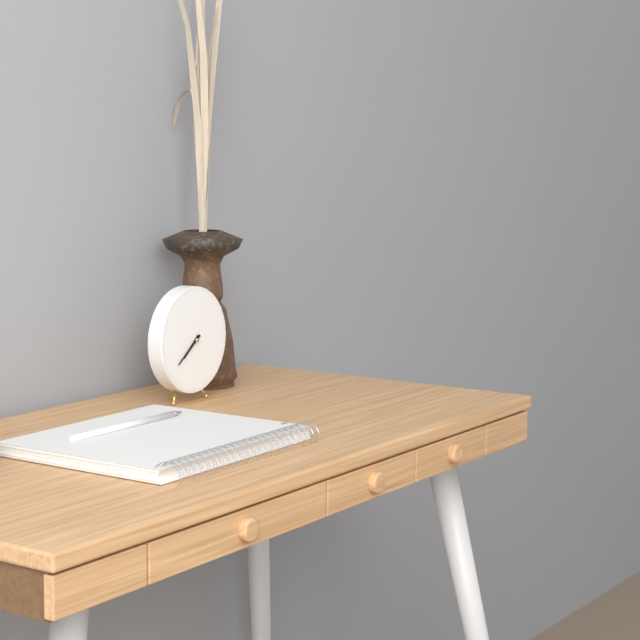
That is 7:39
